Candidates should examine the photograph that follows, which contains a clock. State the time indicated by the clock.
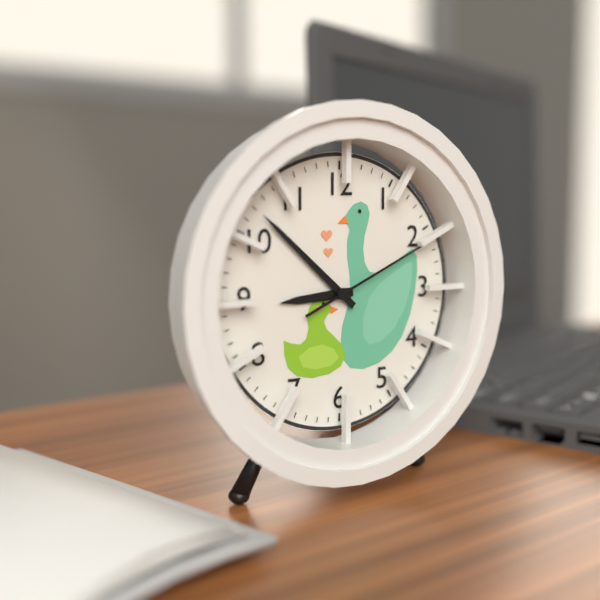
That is 8:52:11
